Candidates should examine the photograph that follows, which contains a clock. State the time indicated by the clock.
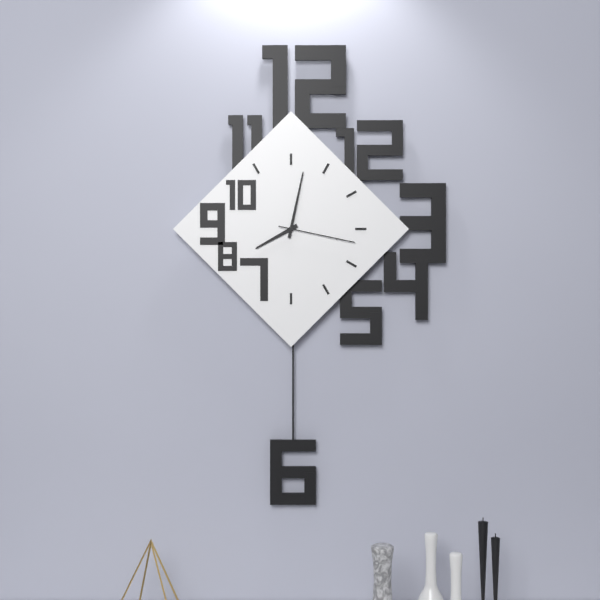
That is 8:02:17
